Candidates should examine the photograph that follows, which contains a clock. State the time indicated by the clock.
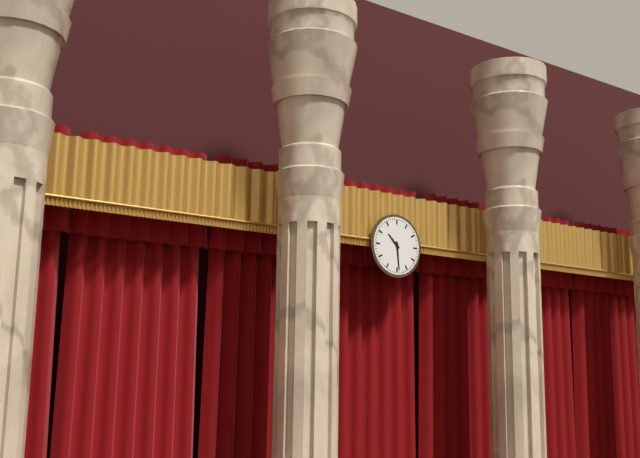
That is 10:29
